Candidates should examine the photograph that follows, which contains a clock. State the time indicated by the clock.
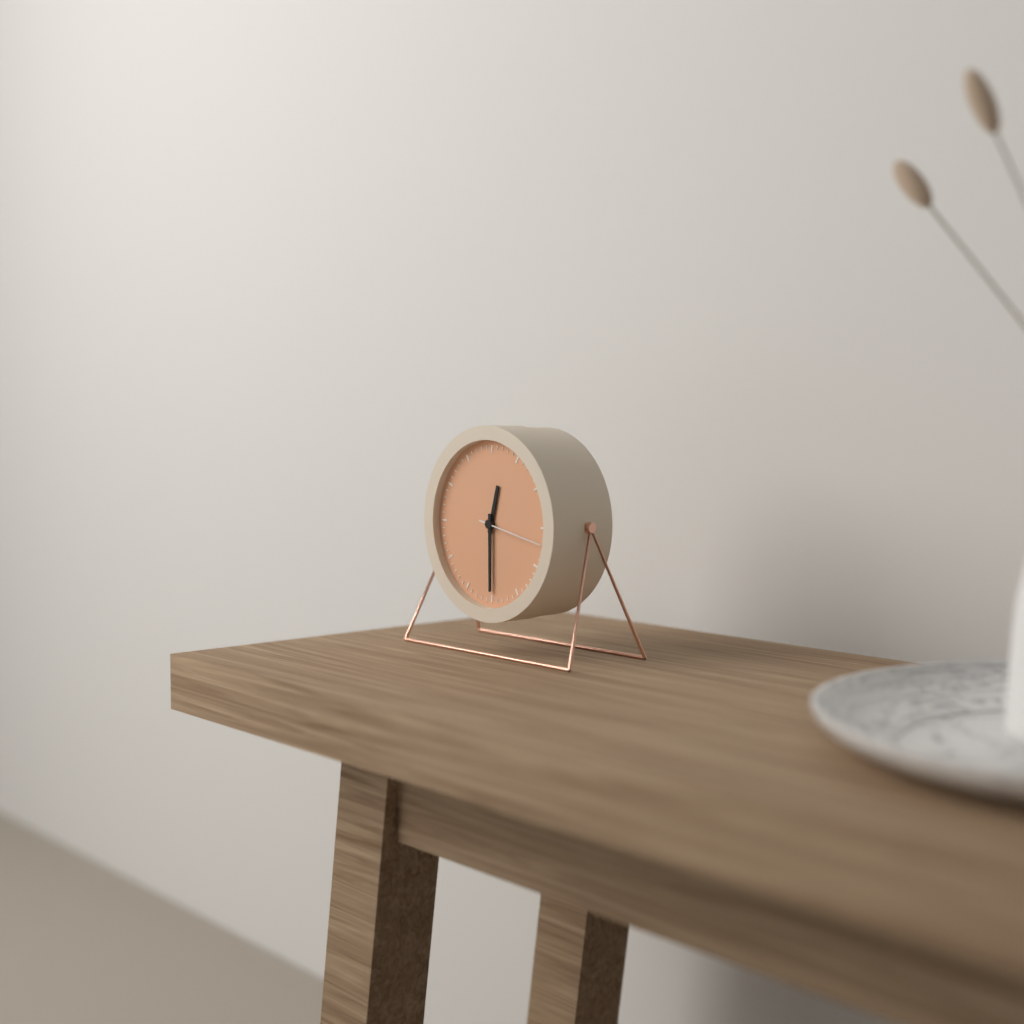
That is 12:30:17
